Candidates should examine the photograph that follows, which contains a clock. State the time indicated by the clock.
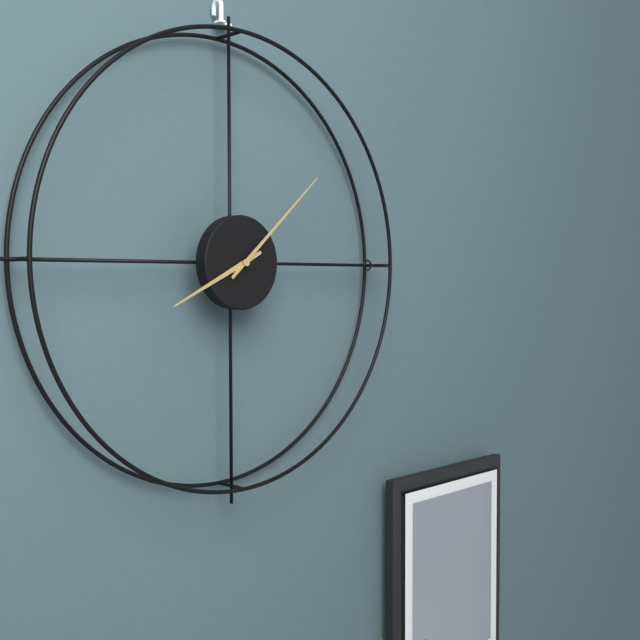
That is 8:08
